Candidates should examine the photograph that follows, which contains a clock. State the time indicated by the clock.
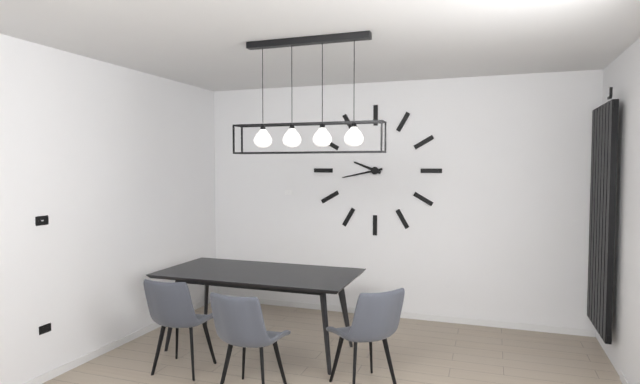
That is 9:43
